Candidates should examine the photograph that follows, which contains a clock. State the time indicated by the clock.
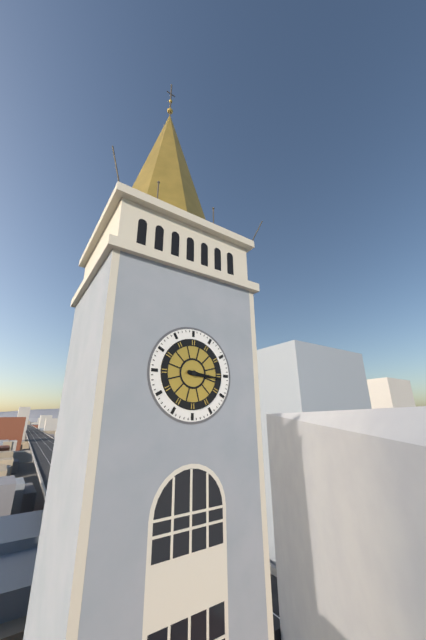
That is 3:16
